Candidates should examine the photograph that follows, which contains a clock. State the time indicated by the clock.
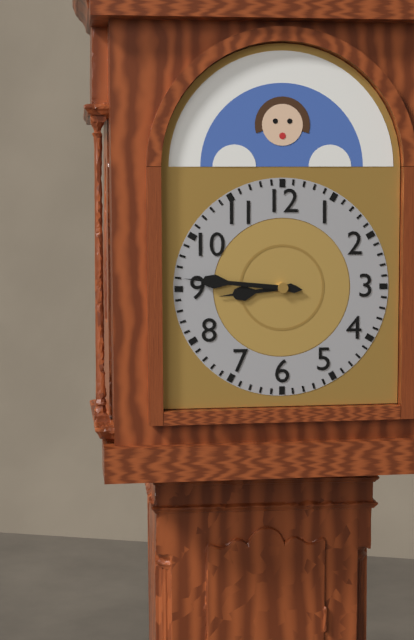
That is 8:46
